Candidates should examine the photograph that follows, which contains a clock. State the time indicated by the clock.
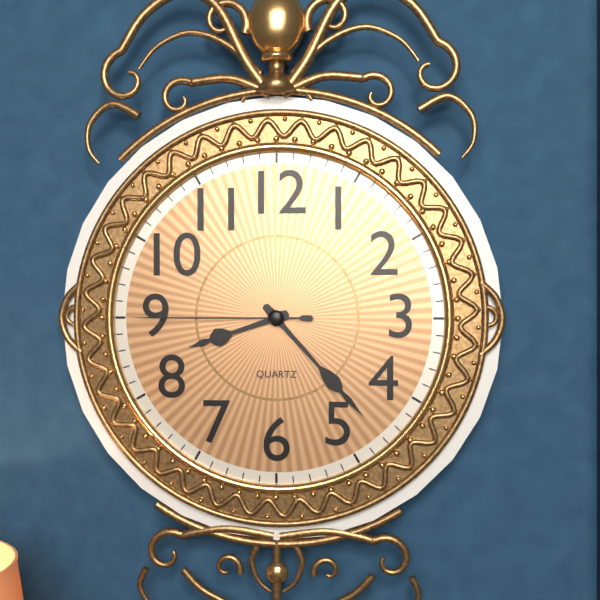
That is 8:23:45
